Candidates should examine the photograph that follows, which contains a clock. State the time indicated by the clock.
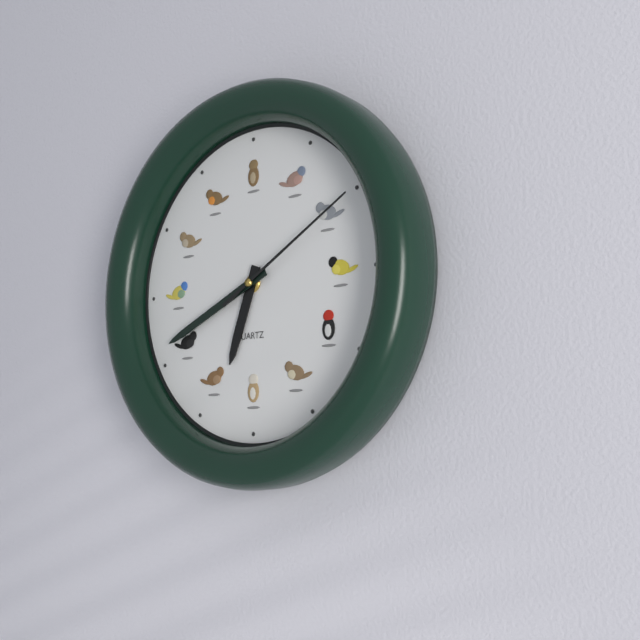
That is 6:41:10
